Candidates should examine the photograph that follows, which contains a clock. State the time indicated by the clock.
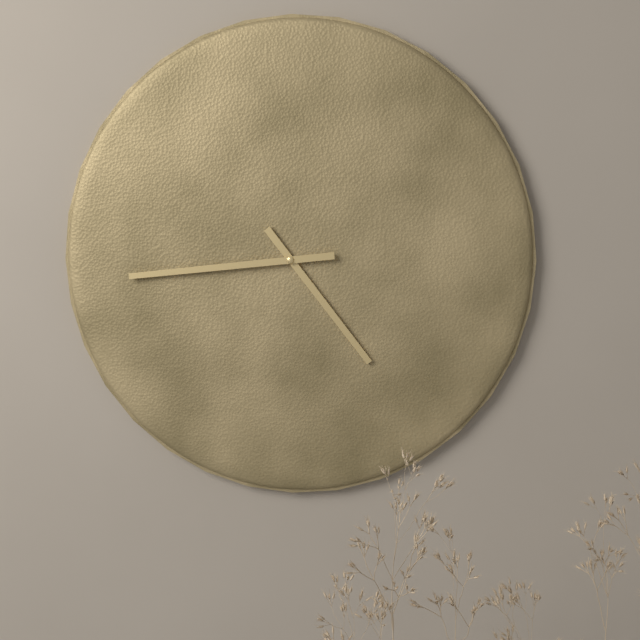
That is 4:44
